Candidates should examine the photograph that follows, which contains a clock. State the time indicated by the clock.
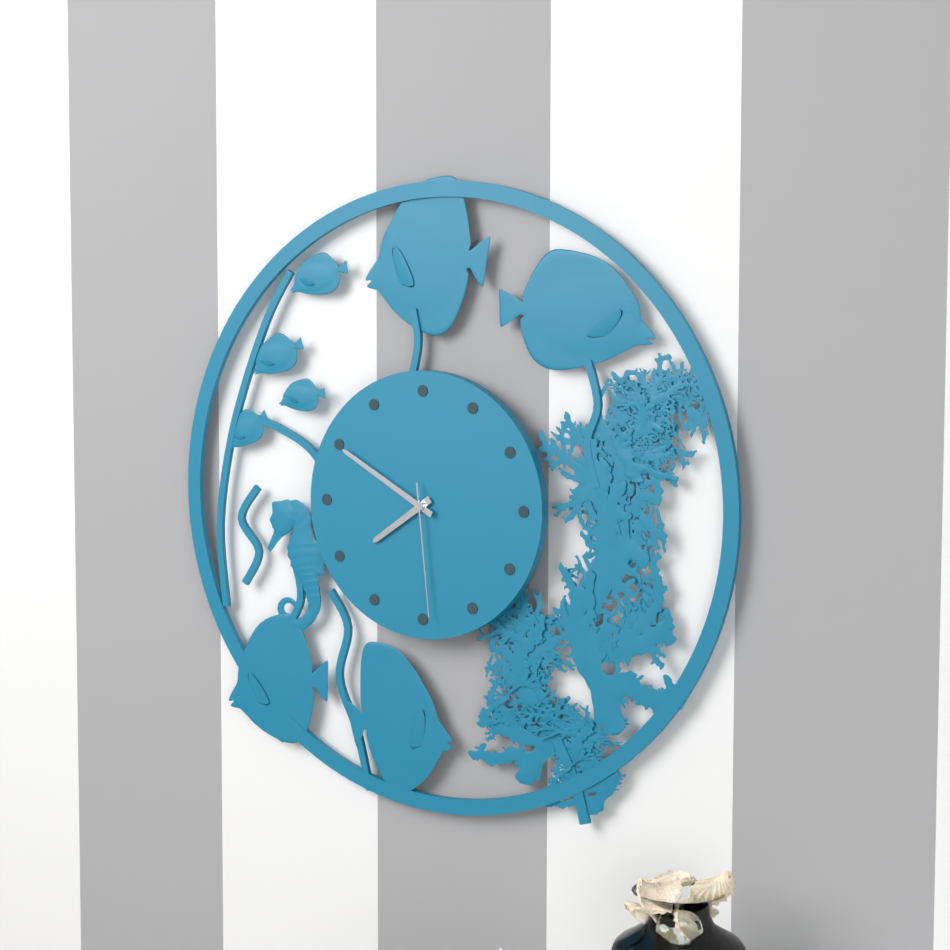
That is 7:50:29
